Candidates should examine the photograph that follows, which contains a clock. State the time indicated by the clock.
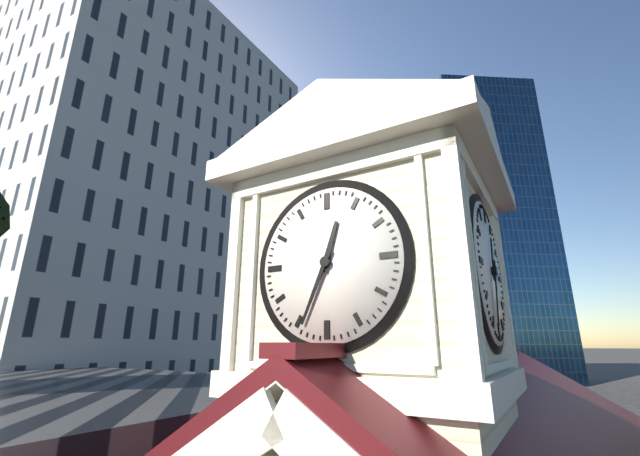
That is 12:34
